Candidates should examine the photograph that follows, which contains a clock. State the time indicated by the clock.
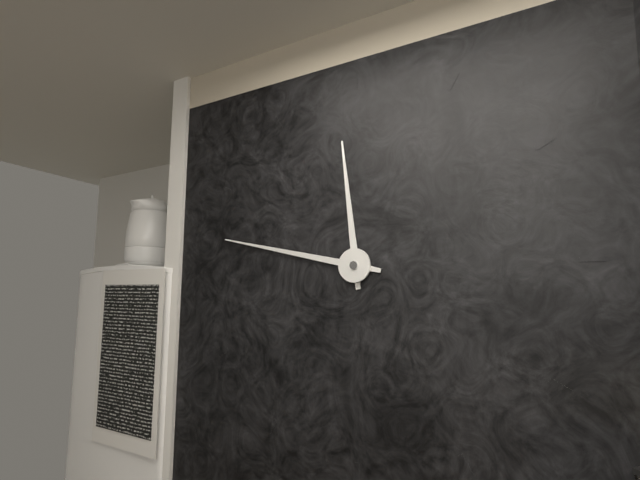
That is 11:47
